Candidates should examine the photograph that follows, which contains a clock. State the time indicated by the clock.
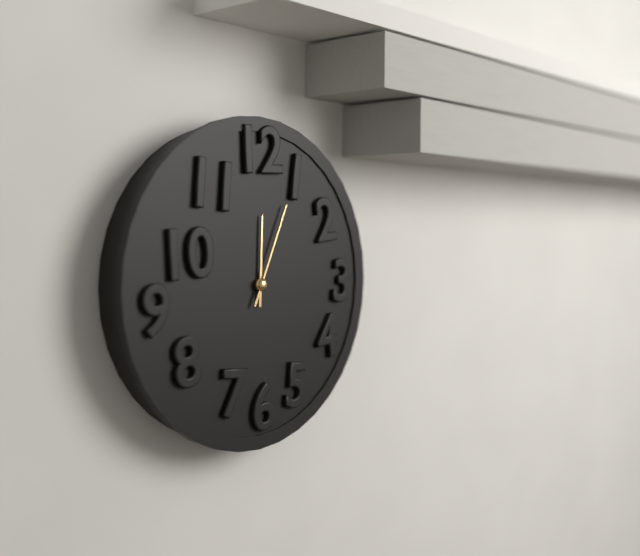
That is 12:04
